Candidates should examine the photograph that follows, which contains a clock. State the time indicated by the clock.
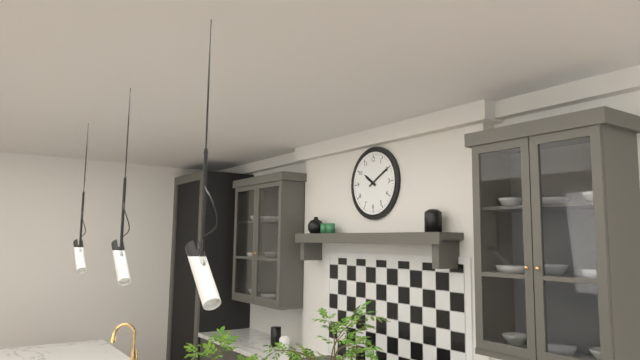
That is 10:10
